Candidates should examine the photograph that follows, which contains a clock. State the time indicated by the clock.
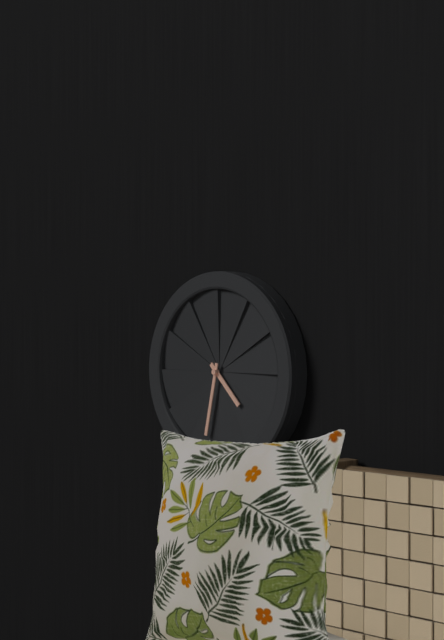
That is 4:32
